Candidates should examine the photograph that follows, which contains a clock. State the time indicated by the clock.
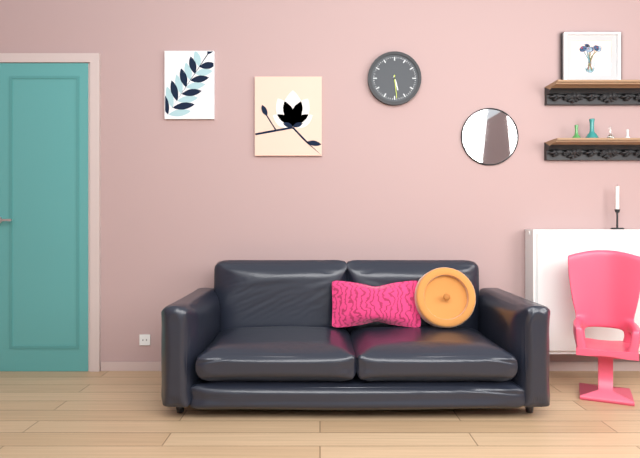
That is 5:29
